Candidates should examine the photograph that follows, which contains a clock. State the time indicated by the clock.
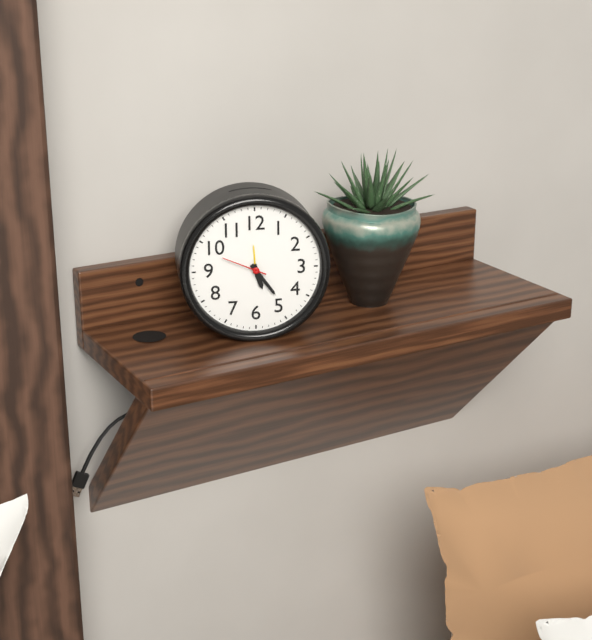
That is 5:24
